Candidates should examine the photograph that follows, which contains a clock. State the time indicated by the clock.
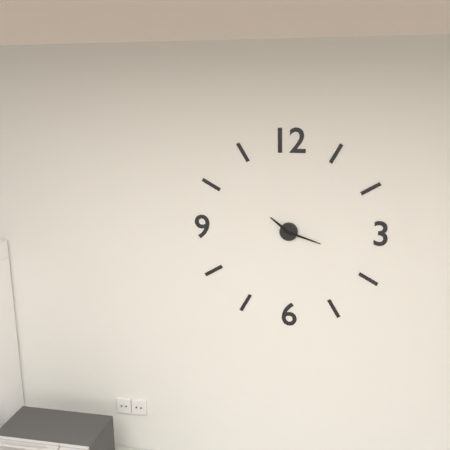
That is 10:18
